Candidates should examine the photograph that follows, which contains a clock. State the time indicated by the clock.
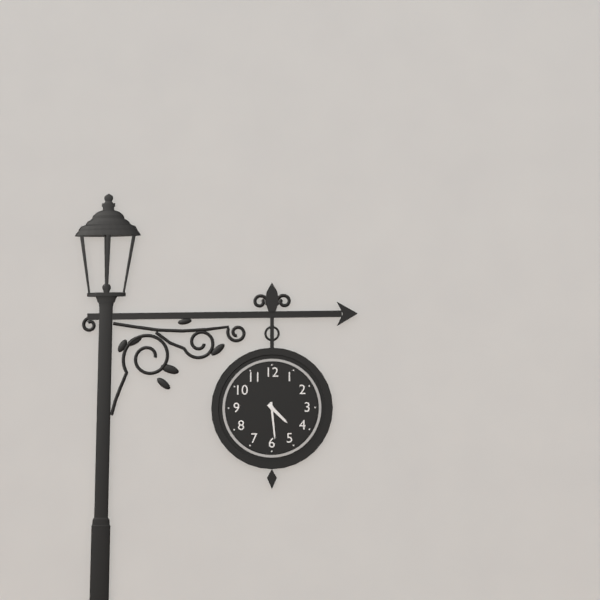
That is 4:29
